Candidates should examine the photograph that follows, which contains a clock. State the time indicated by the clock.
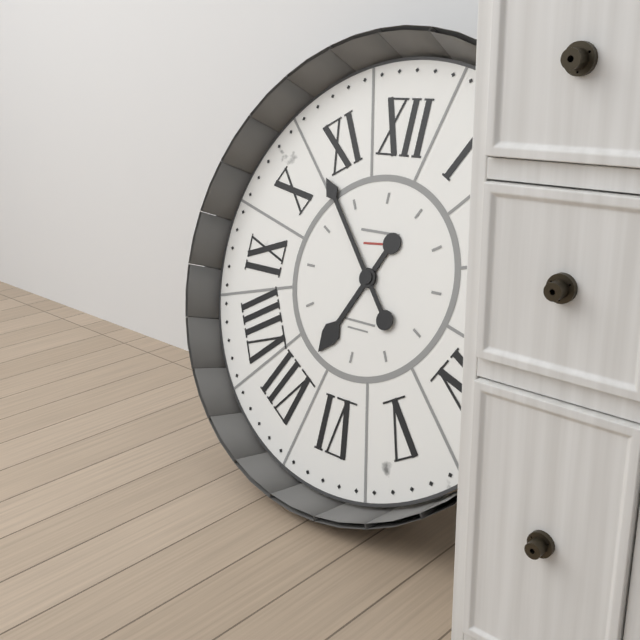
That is 6:53
